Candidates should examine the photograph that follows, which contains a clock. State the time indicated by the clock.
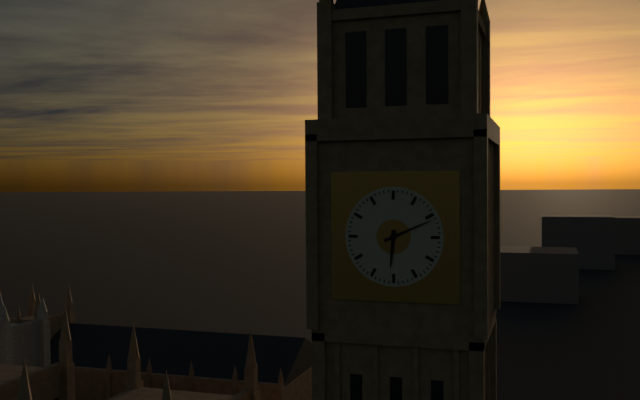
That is 6:11
